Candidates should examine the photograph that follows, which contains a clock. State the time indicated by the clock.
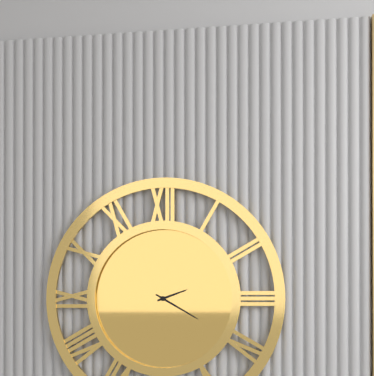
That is 2:20
